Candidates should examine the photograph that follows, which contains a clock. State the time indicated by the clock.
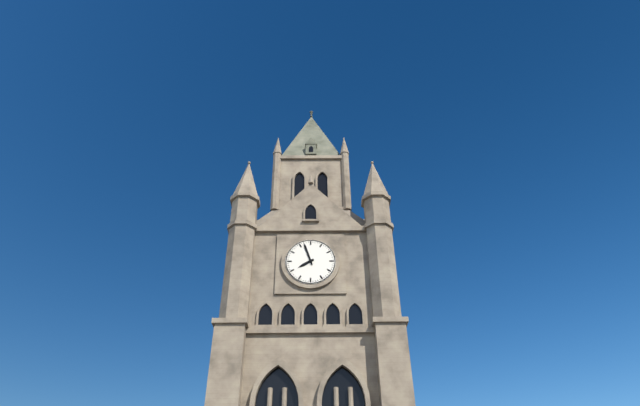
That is 7:57
